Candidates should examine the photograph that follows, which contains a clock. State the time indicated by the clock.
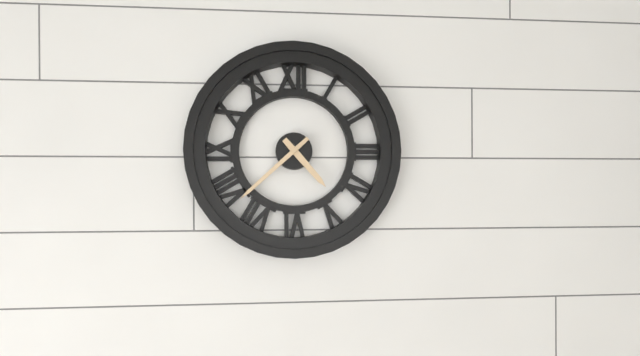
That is 4:38
